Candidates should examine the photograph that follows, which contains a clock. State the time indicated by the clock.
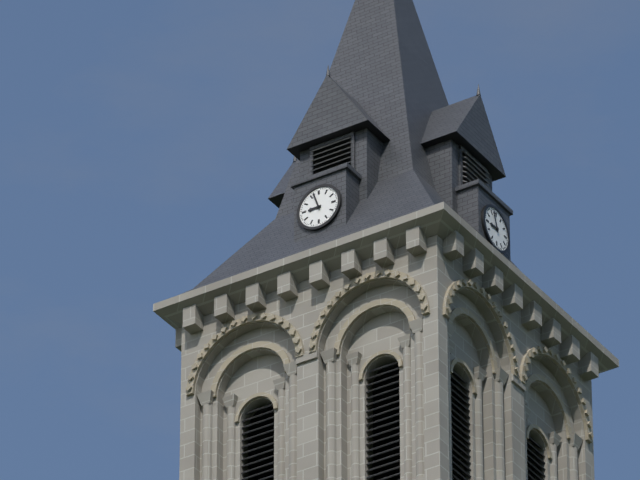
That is 8:57
